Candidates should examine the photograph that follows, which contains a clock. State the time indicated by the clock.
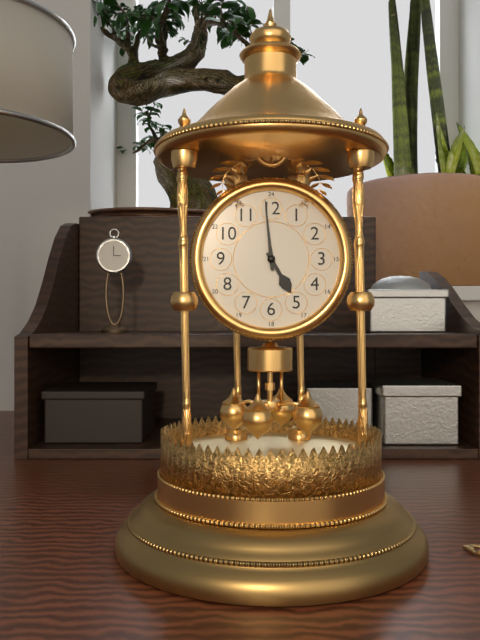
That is 4:59
